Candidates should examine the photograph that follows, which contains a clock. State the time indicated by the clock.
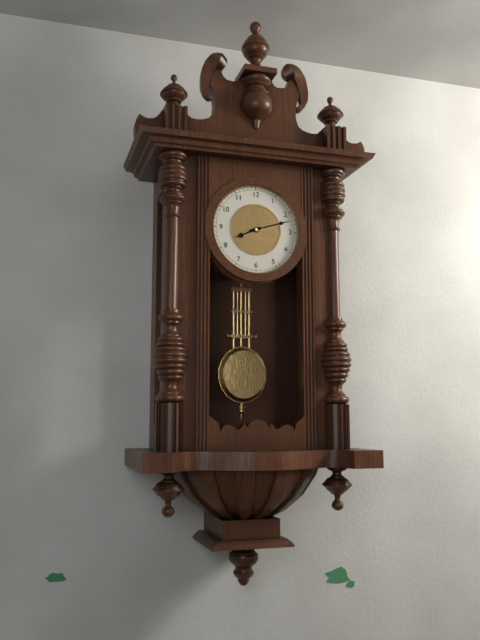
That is 8:12
